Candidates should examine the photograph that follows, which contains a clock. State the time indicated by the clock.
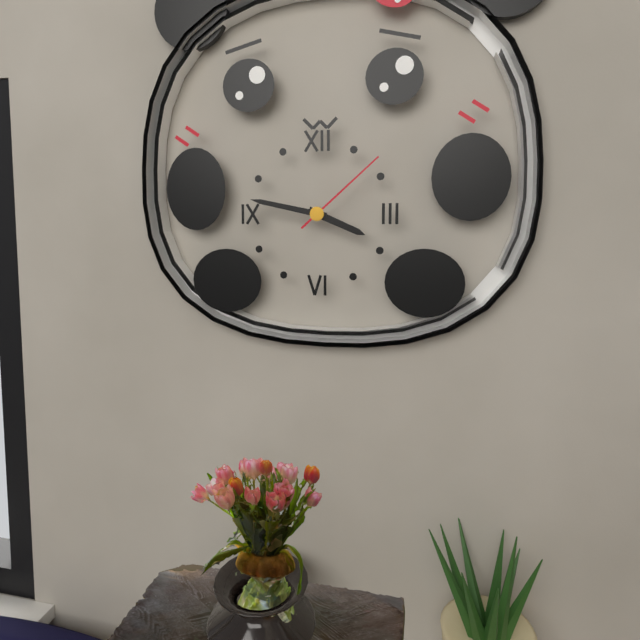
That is 3:47:08
